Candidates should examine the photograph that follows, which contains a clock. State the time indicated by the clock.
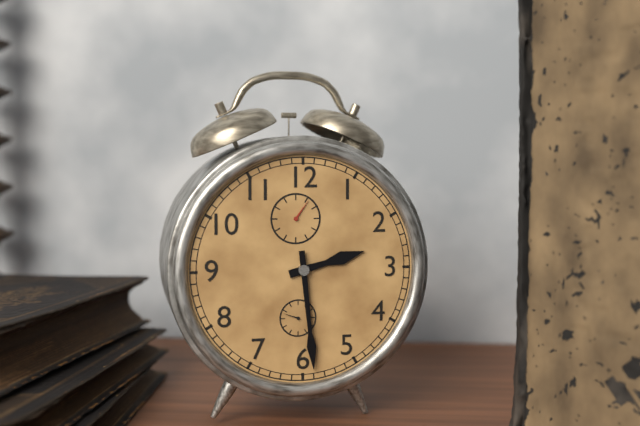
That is 2:29
